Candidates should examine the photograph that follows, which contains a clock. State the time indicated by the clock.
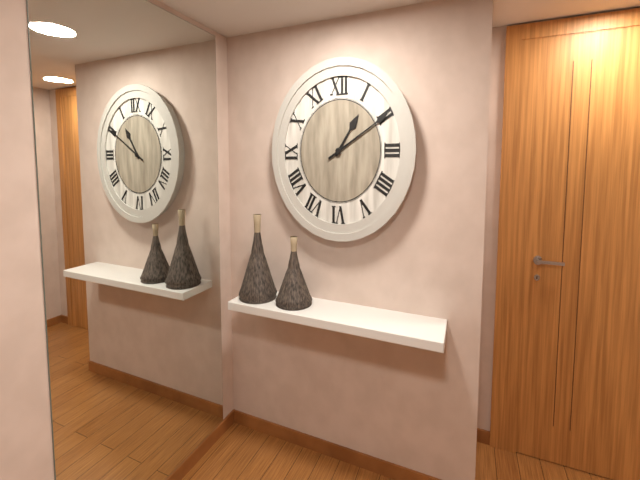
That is 1:10
